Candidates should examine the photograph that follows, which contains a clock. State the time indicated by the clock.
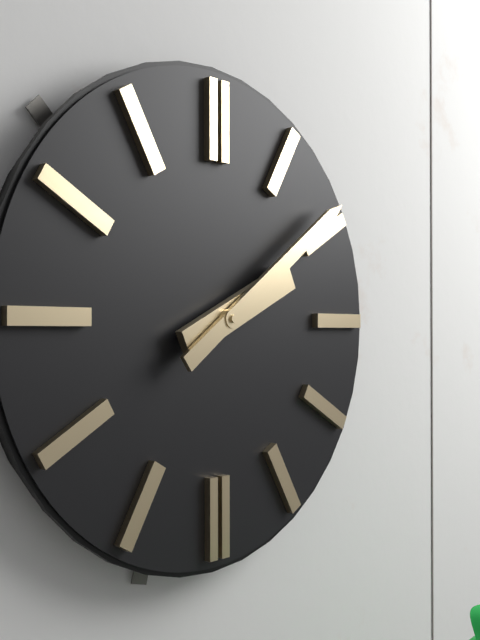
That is 2:09
